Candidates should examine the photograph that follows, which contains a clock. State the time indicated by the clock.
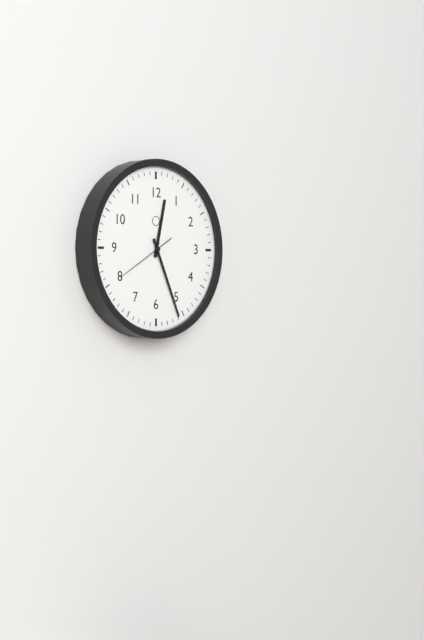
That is 12:26:40
